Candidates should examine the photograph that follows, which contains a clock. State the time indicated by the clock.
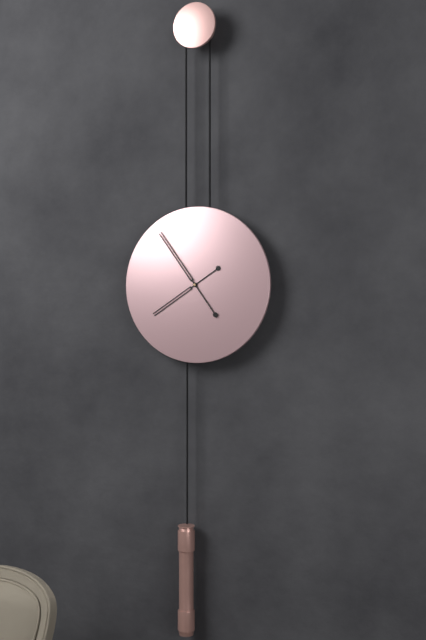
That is 7:54
